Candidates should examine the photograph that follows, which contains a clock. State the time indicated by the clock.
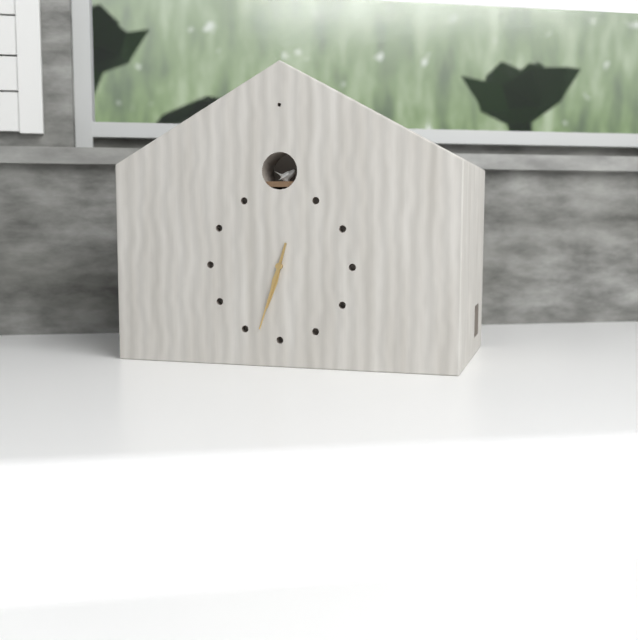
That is 6:33
